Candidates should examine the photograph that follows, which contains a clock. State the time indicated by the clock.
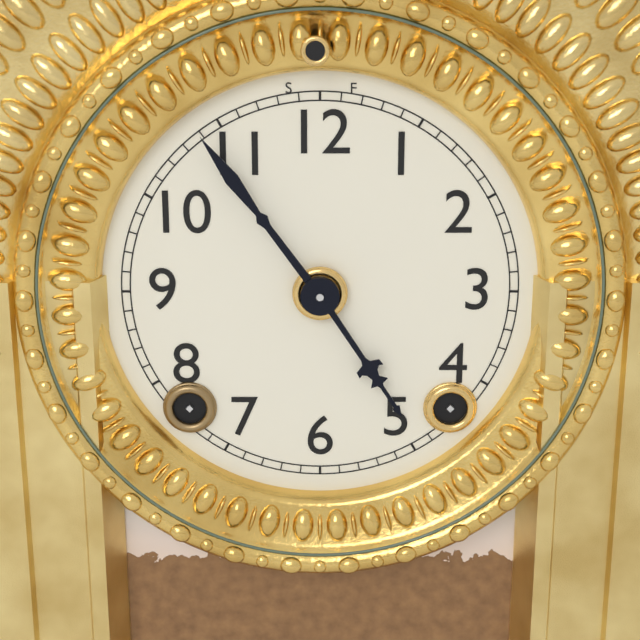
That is 4:54
